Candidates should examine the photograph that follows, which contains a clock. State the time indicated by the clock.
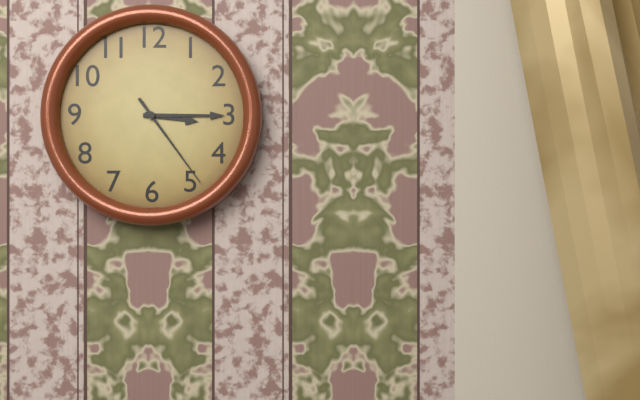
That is 3:15:24
